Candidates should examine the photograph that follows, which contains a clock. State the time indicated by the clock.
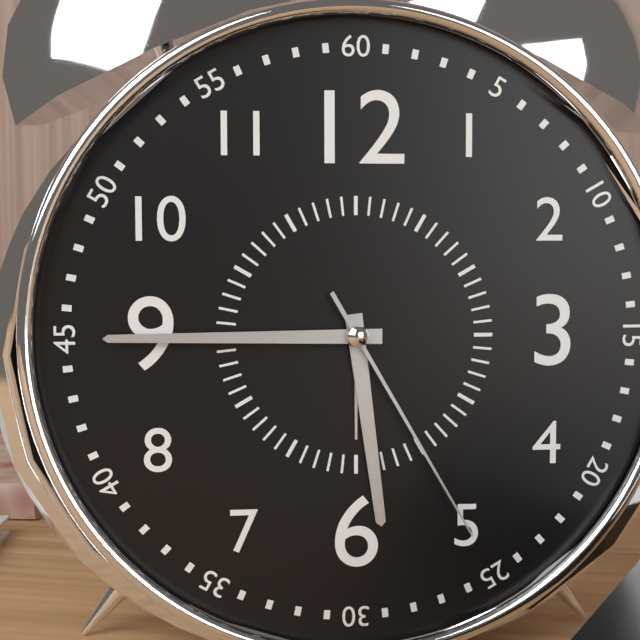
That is 5:45:25
